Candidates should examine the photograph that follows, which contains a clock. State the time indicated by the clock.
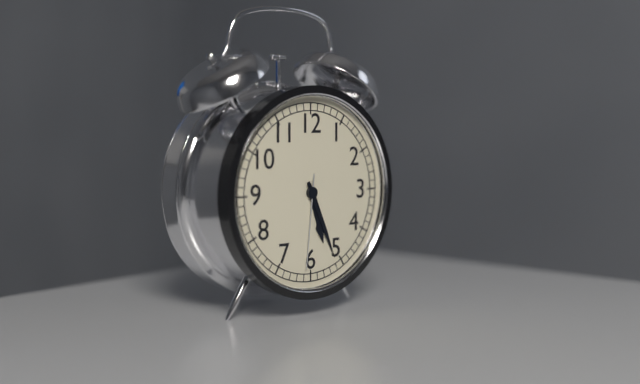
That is 5:26:31
